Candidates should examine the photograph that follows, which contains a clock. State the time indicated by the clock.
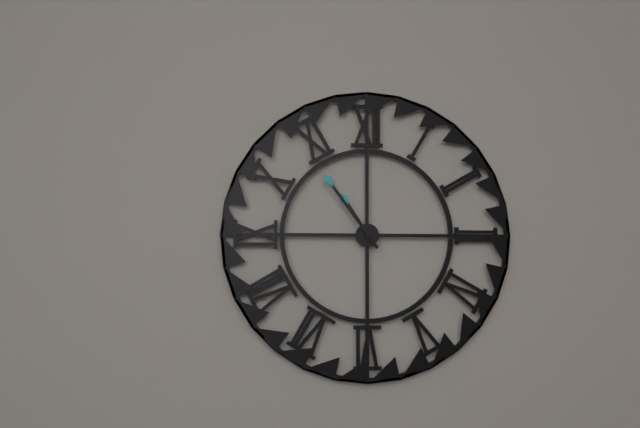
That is 10:54
